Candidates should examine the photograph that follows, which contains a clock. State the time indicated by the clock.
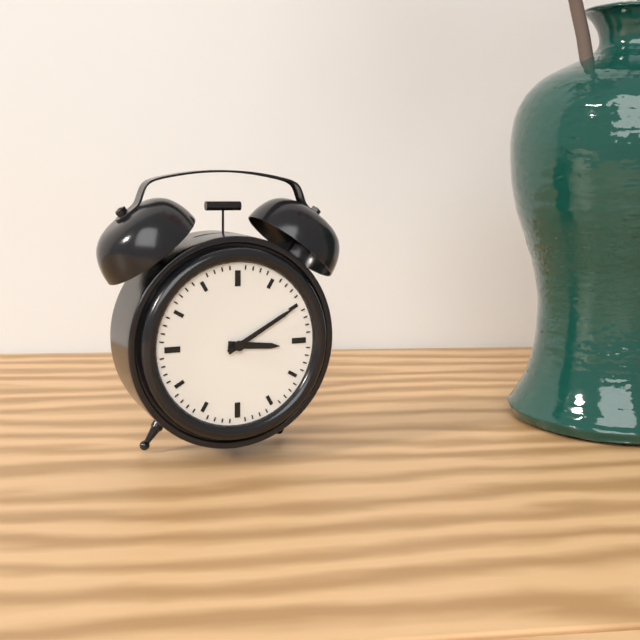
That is 3:10
